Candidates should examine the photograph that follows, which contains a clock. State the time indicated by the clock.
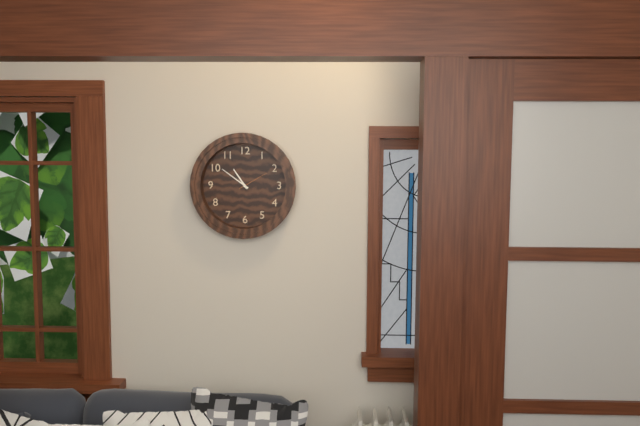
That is 10:51
